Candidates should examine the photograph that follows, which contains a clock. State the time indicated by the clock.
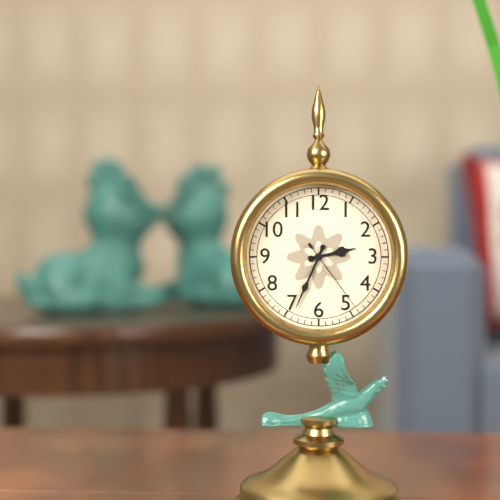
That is 2:34:24
